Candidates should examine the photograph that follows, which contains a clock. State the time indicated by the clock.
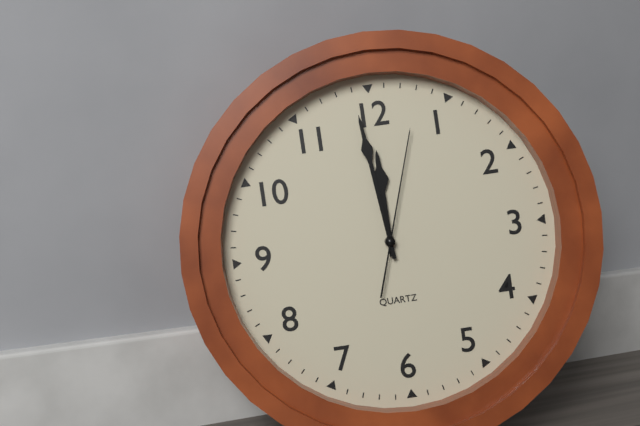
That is 11:59:03
